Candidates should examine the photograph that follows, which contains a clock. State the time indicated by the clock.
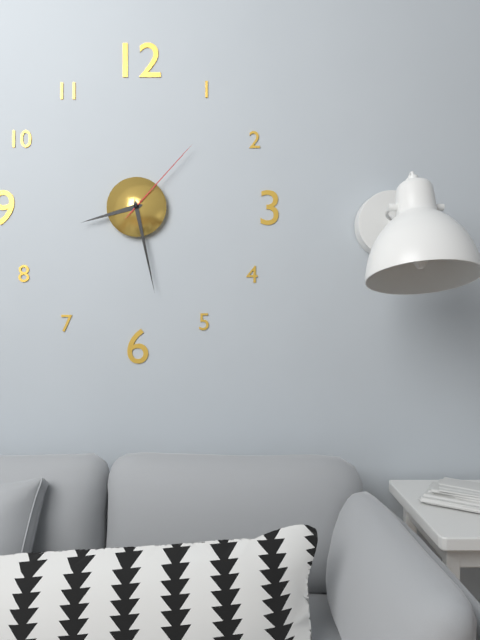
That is 8:28:07
